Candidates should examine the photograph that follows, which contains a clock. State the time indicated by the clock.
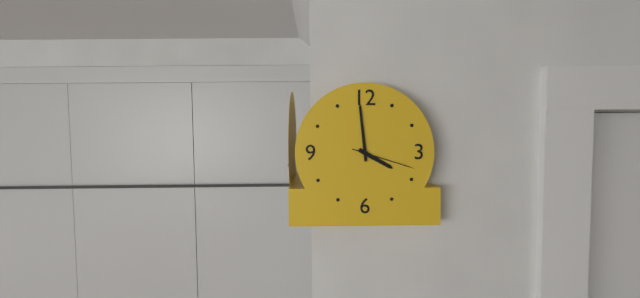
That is 3:59:18
